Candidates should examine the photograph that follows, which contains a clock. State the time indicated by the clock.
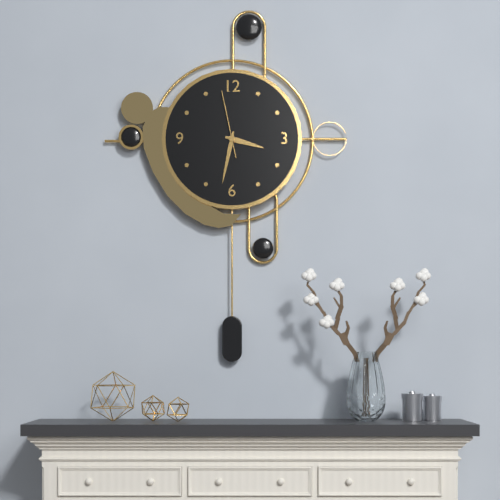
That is 3:32:58
